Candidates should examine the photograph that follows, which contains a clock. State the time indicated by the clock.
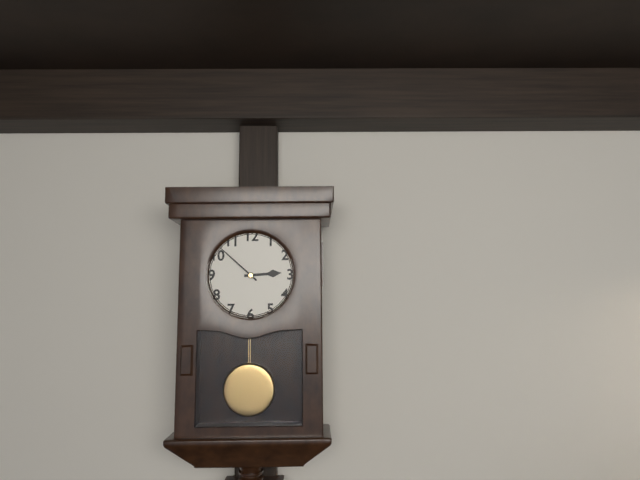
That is 2:52
